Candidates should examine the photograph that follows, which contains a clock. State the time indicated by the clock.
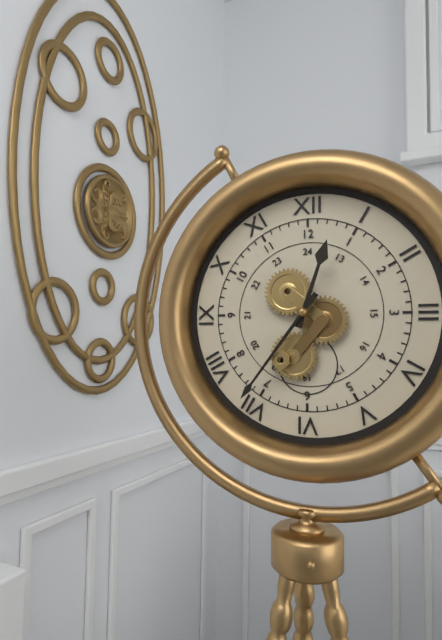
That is 12:36
